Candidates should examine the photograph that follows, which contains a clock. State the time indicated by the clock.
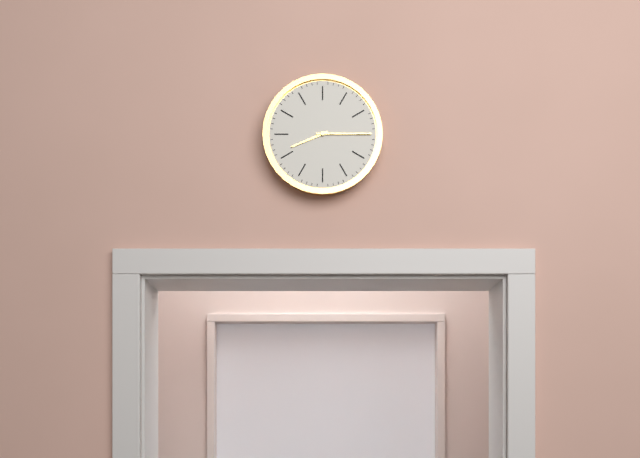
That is 8:15
